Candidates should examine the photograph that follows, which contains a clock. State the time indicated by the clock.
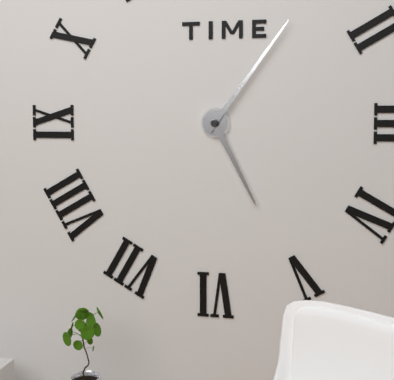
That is 5:06
